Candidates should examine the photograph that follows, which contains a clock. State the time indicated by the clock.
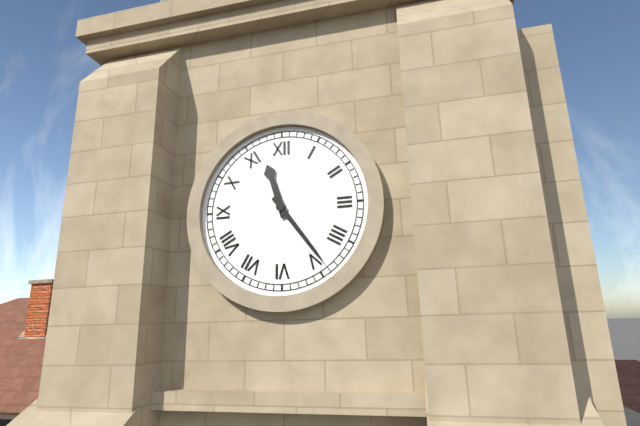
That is 11:24
